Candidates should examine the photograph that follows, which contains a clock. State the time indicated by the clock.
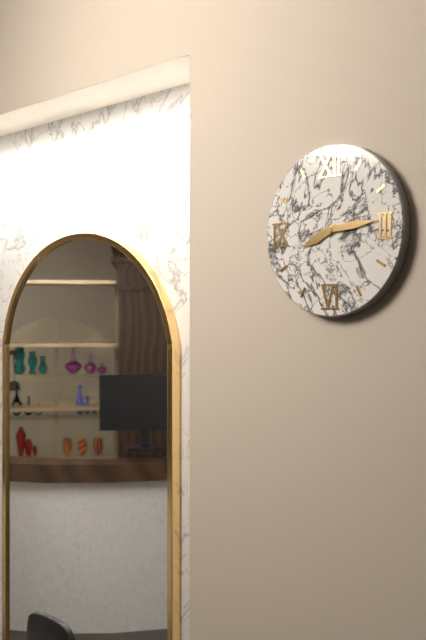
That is 8:14
